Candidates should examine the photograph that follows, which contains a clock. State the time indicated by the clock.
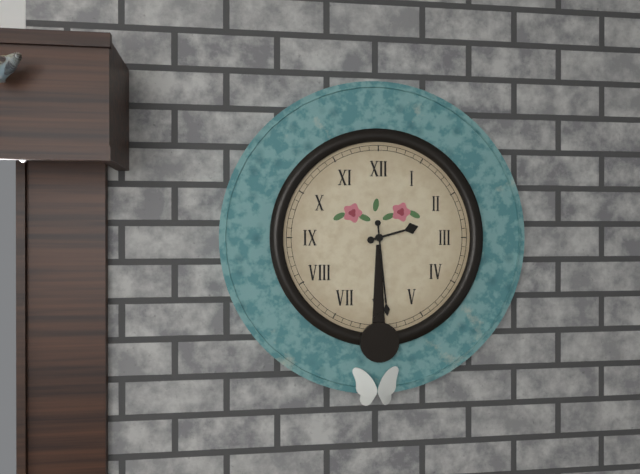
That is 2:29
